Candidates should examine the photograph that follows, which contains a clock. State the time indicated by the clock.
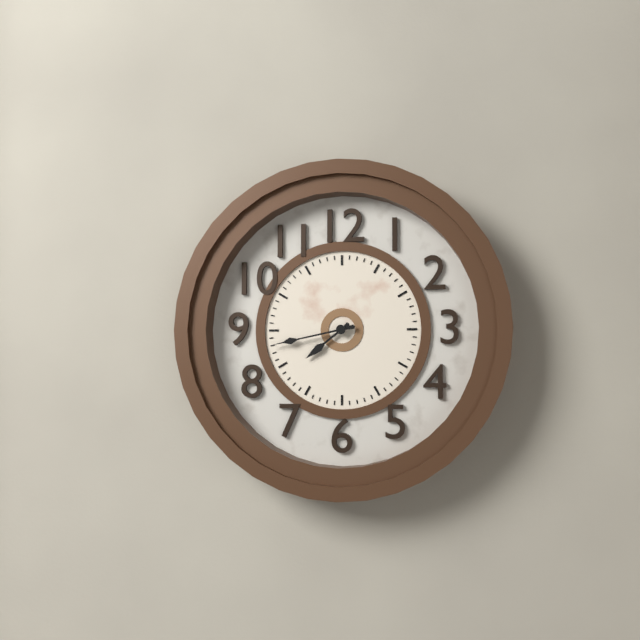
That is 7:43
